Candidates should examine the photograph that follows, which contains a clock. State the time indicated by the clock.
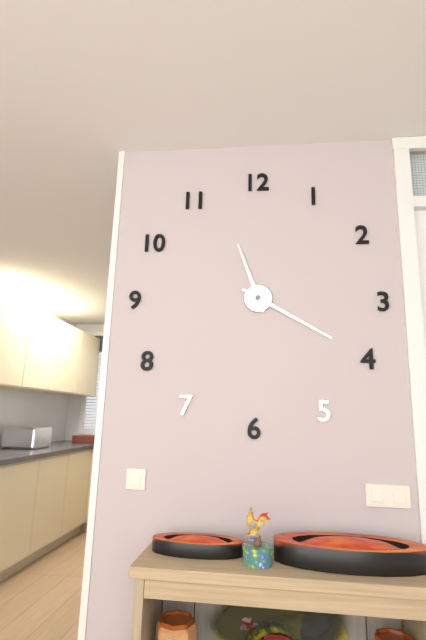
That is 11:20
